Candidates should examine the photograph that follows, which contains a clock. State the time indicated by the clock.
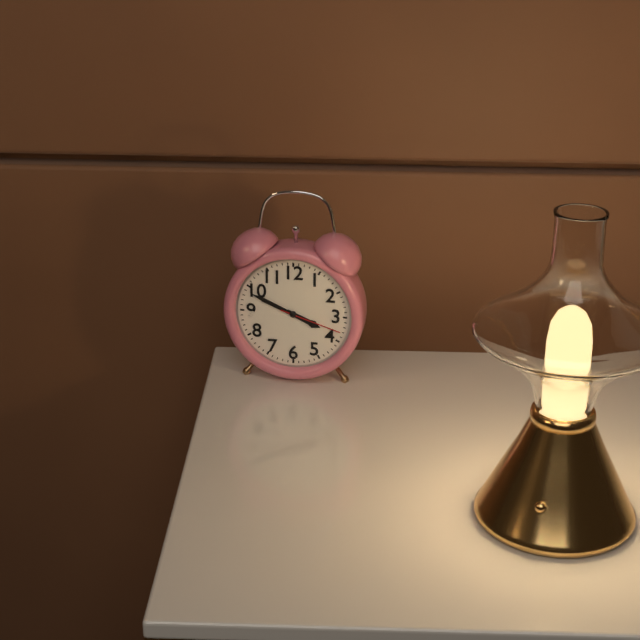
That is 3:49:18
